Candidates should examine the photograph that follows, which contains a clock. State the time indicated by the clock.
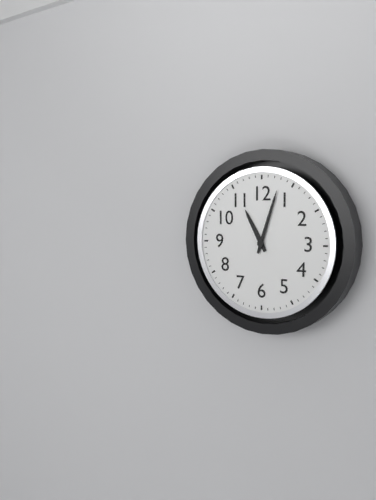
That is 11:03
